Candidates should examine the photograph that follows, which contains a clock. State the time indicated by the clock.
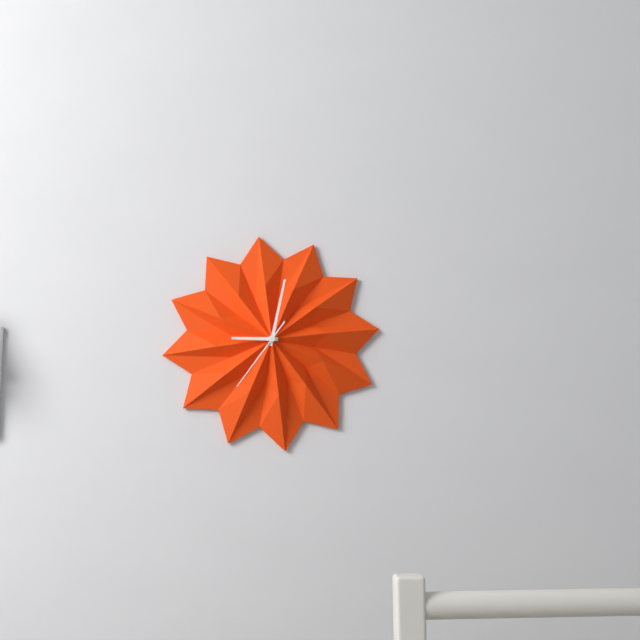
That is 9:02:36
